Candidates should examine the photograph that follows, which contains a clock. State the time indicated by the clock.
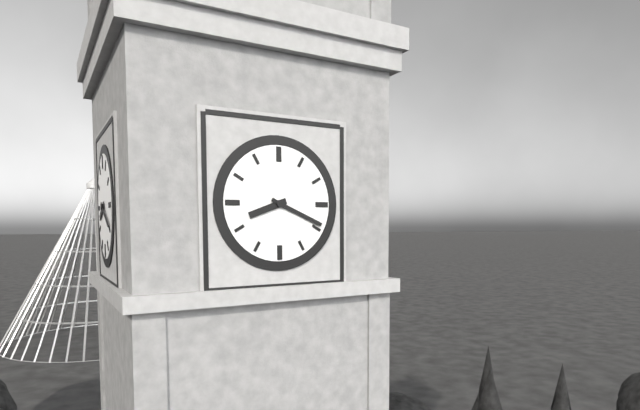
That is 8:19
